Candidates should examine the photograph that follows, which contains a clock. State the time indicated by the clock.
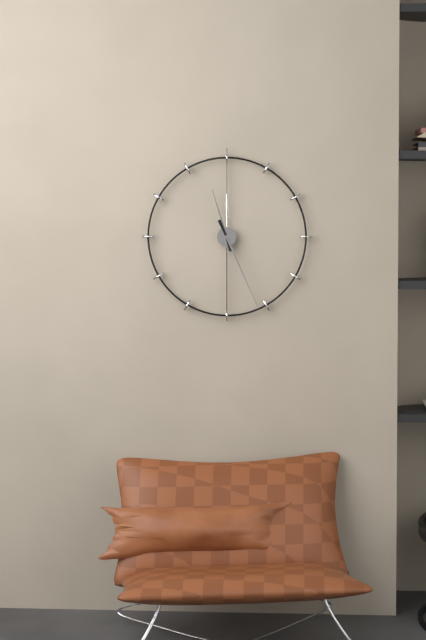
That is 11:26
